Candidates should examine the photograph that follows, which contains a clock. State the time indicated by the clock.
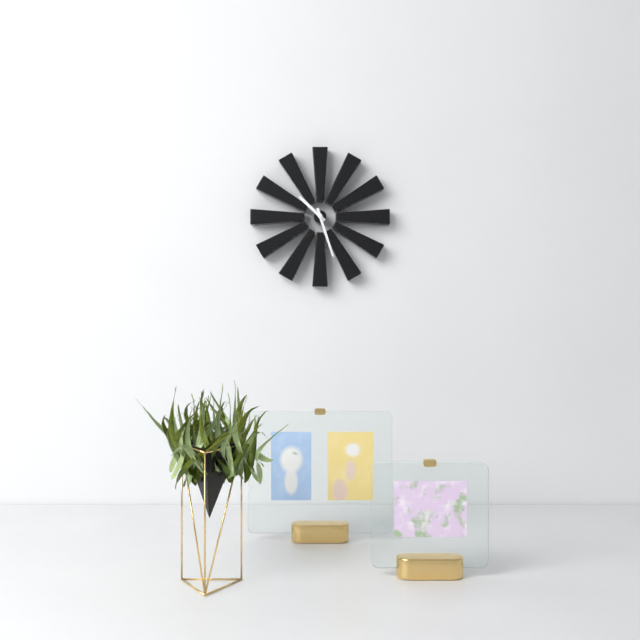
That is 10:27
